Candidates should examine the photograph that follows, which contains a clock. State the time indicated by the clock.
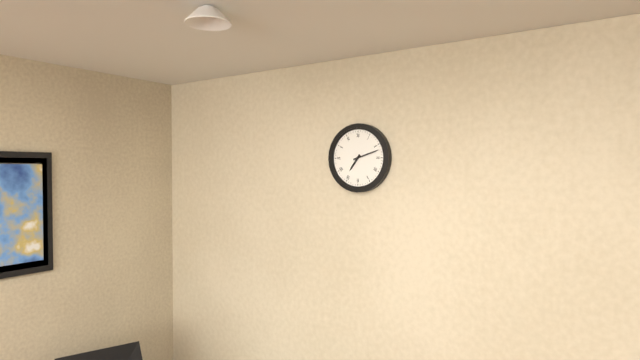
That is 7:12
